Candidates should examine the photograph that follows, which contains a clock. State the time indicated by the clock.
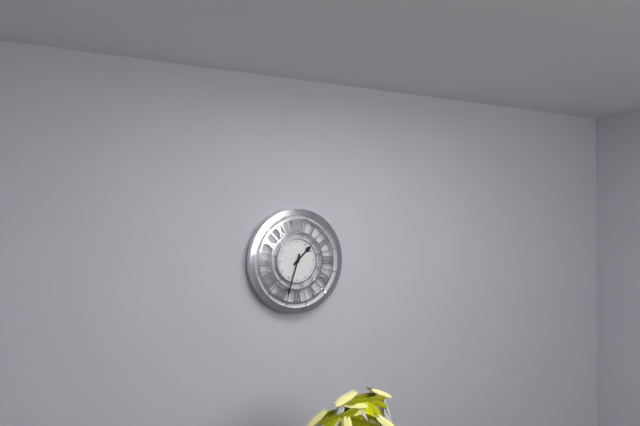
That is 1:33
